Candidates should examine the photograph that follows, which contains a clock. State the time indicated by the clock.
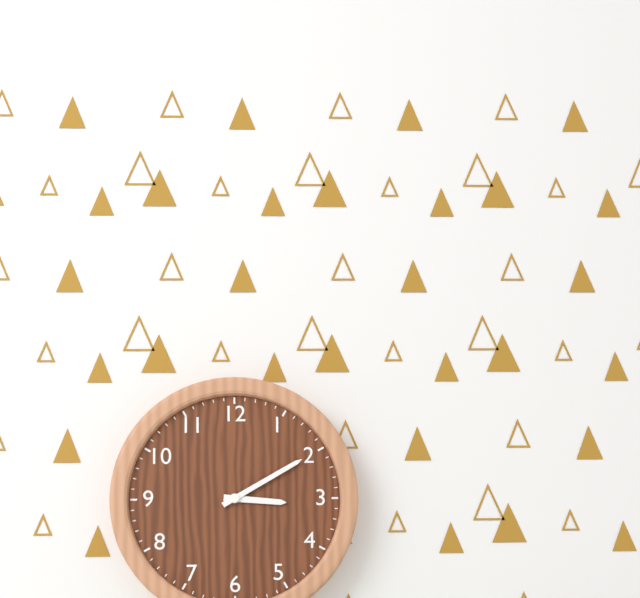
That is 3:10
